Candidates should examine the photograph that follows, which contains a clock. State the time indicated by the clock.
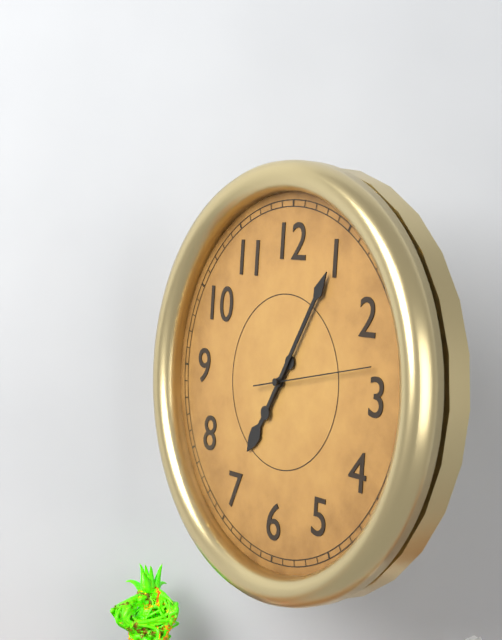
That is 7:05:13
